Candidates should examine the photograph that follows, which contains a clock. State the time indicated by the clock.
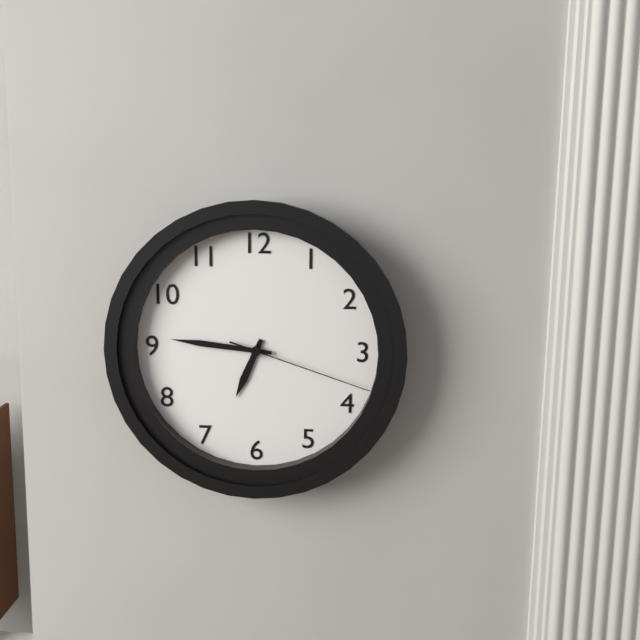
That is 6:46:18
